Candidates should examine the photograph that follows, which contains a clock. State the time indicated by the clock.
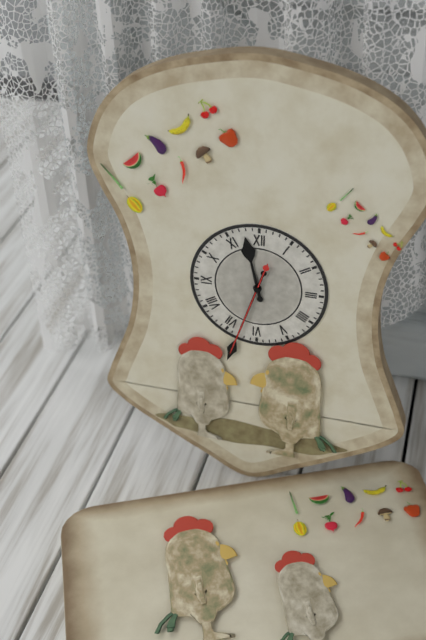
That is 11:33:33
